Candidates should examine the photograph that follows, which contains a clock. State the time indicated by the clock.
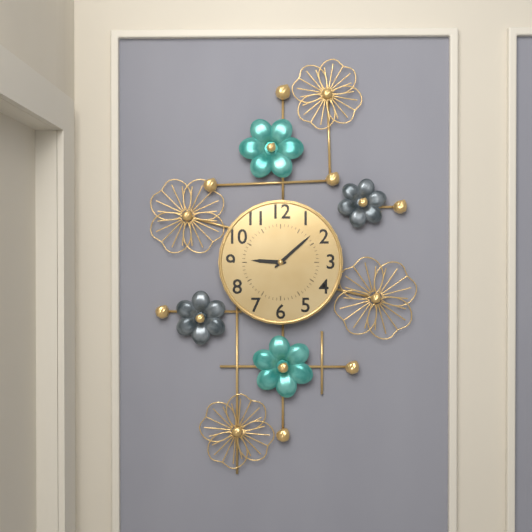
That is 9:08
